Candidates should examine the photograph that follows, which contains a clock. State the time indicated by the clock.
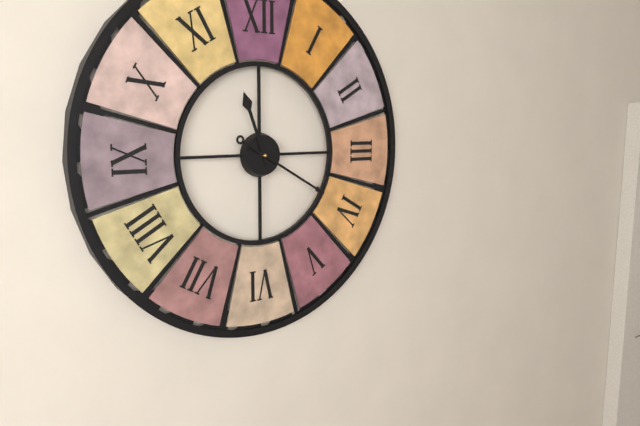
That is 11:20
